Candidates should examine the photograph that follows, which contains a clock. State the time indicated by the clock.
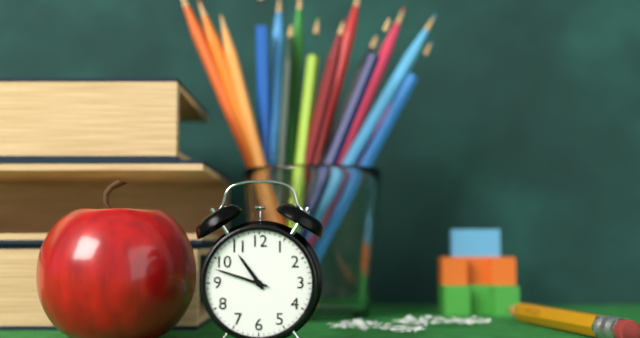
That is 10:48
